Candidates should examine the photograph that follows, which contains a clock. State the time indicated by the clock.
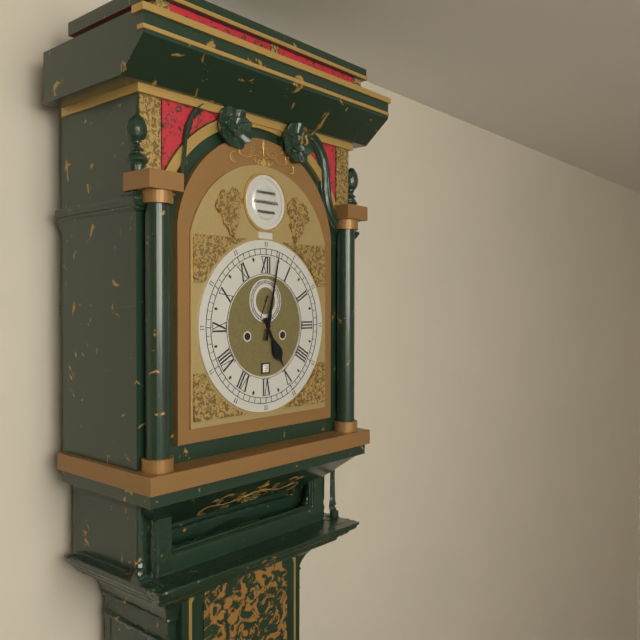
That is 5:02
